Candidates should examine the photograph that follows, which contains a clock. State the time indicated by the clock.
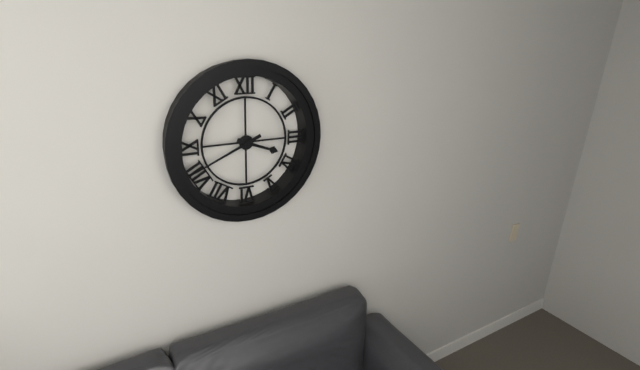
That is 3:41
